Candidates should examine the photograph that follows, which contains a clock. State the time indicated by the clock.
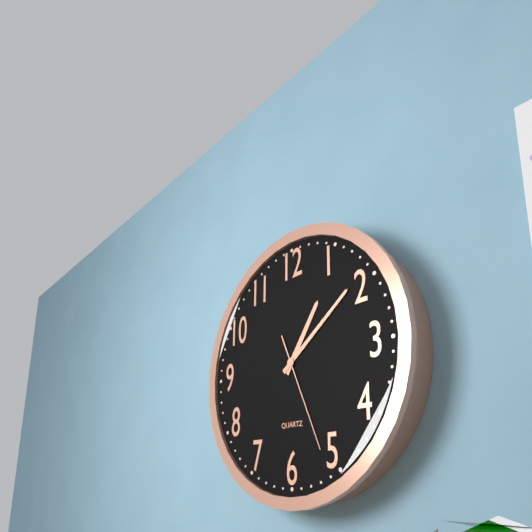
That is 1:09:26
